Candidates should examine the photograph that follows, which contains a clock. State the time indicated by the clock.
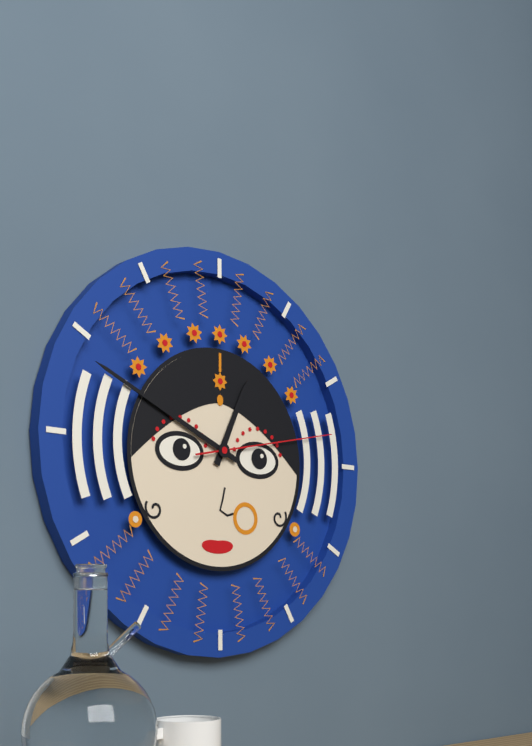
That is 12:49:13
